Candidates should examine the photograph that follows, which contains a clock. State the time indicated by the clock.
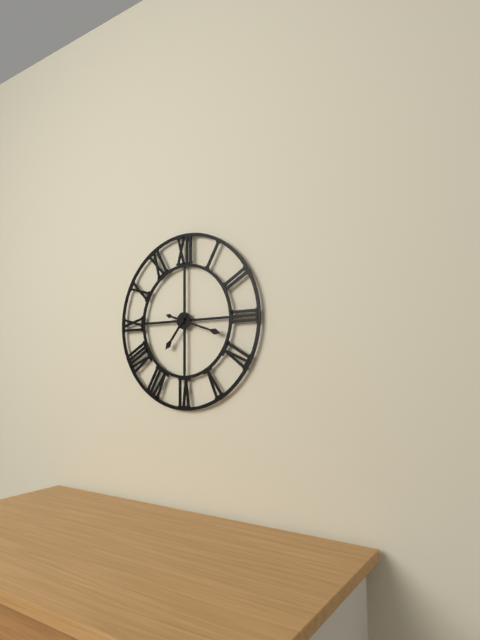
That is 7:18
